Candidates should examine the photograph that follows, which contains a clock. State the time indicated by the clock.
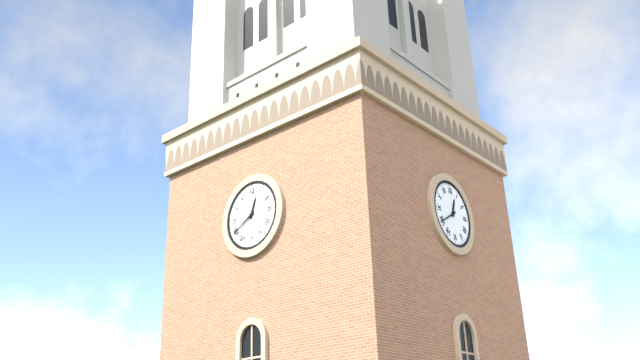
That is 12:40
